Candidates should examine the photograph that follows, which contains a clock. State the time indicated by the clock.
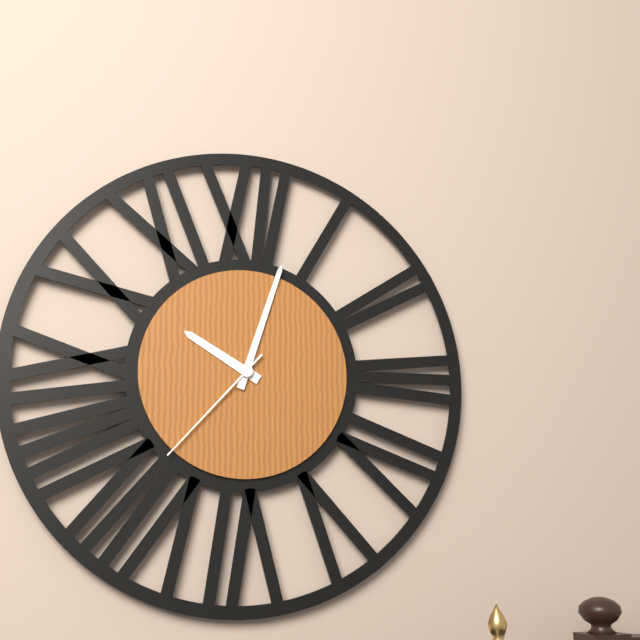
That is 10:03:37
